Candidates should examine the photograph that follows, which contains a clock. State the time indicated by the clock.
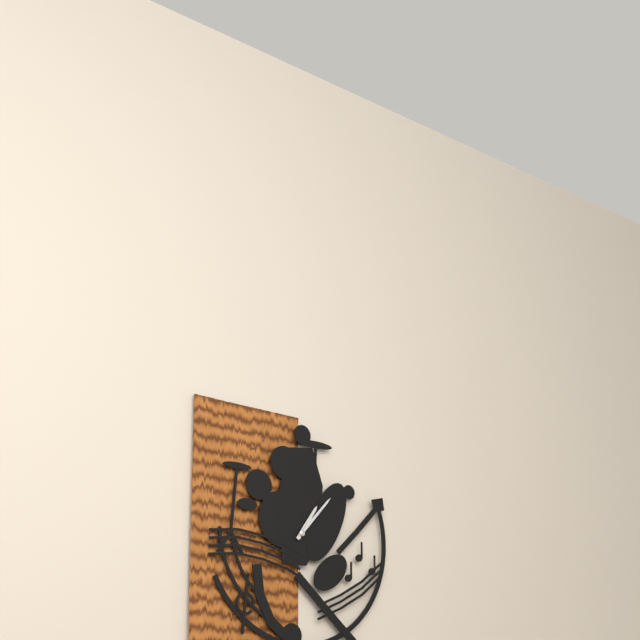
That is 1:07
